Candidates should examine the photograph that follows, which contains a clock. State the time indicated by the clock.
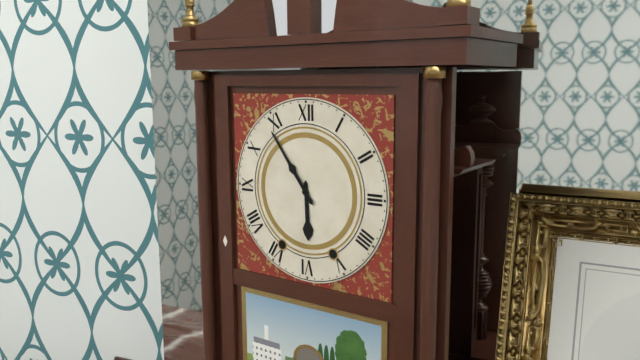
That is 5:54
